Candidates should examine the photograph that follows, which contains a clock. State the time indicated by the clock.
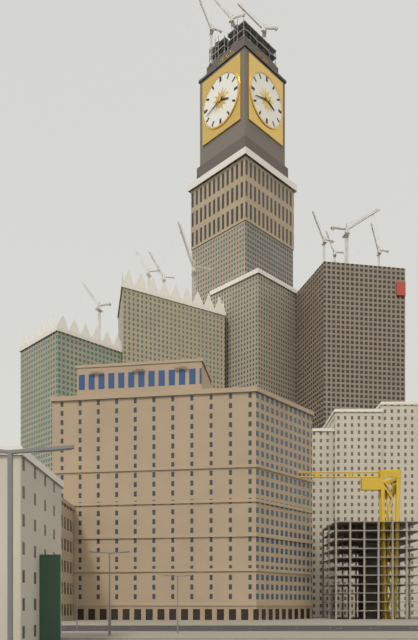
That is 3:42
